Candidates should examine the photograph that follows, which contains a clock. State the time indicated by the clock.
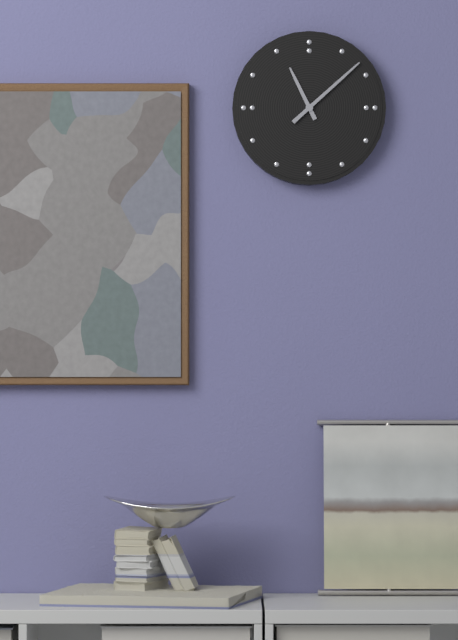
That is 11:08
